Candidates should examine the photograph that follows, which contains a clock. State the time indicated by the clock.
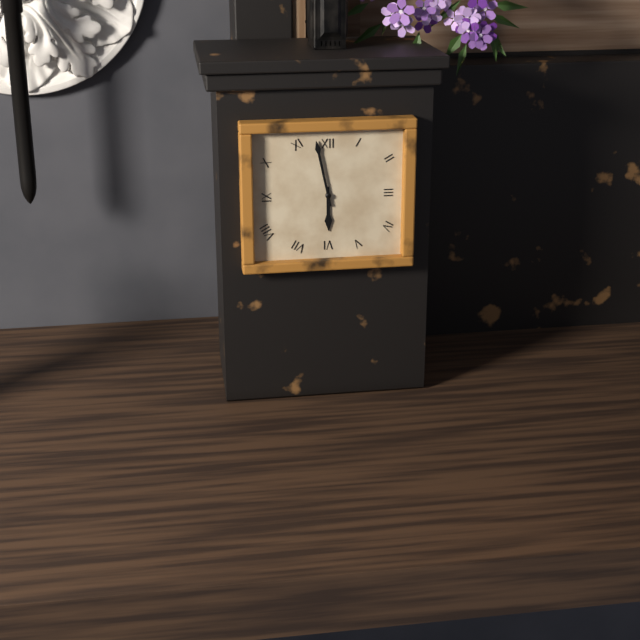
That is 5:58
